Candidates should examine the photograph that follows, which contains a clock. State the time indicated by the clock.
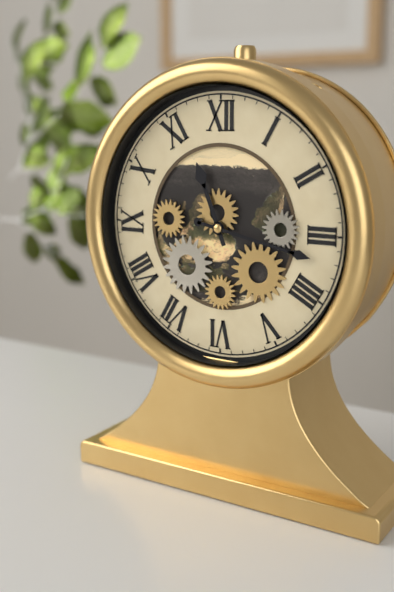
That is 11:17
